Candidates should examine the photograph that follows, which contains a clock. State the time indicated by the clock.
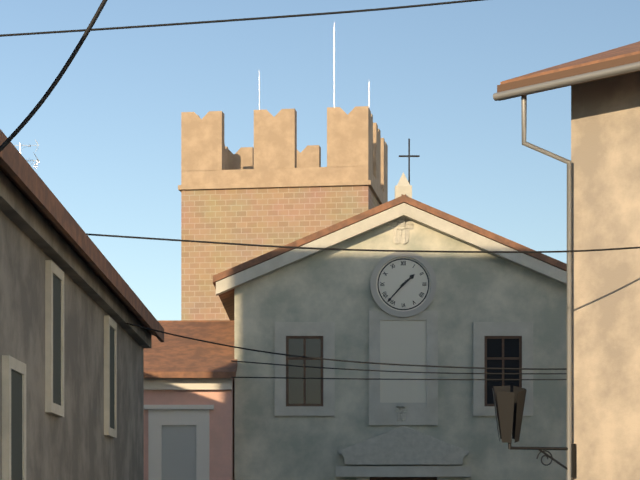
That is 1:37
